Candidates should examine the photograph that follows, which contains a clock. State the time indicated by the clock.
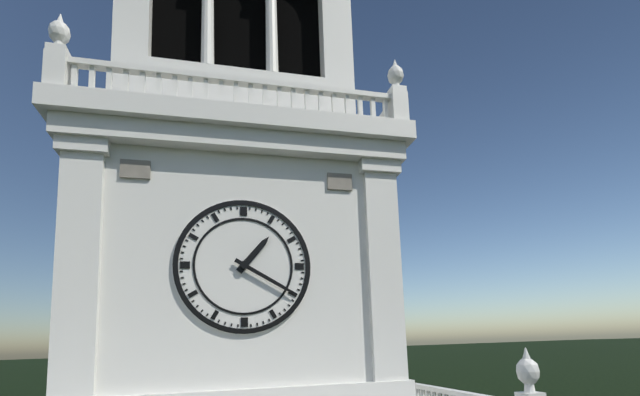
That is 1:20
